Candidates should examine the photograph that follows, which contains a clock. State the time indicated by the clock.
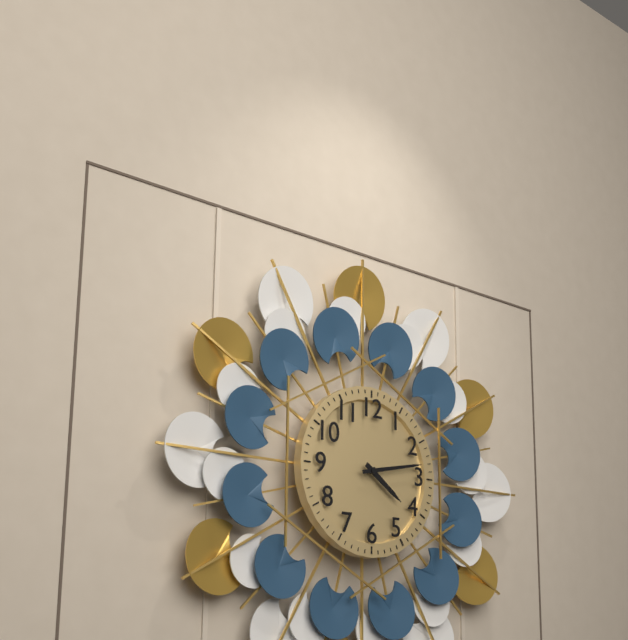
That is 4:13
